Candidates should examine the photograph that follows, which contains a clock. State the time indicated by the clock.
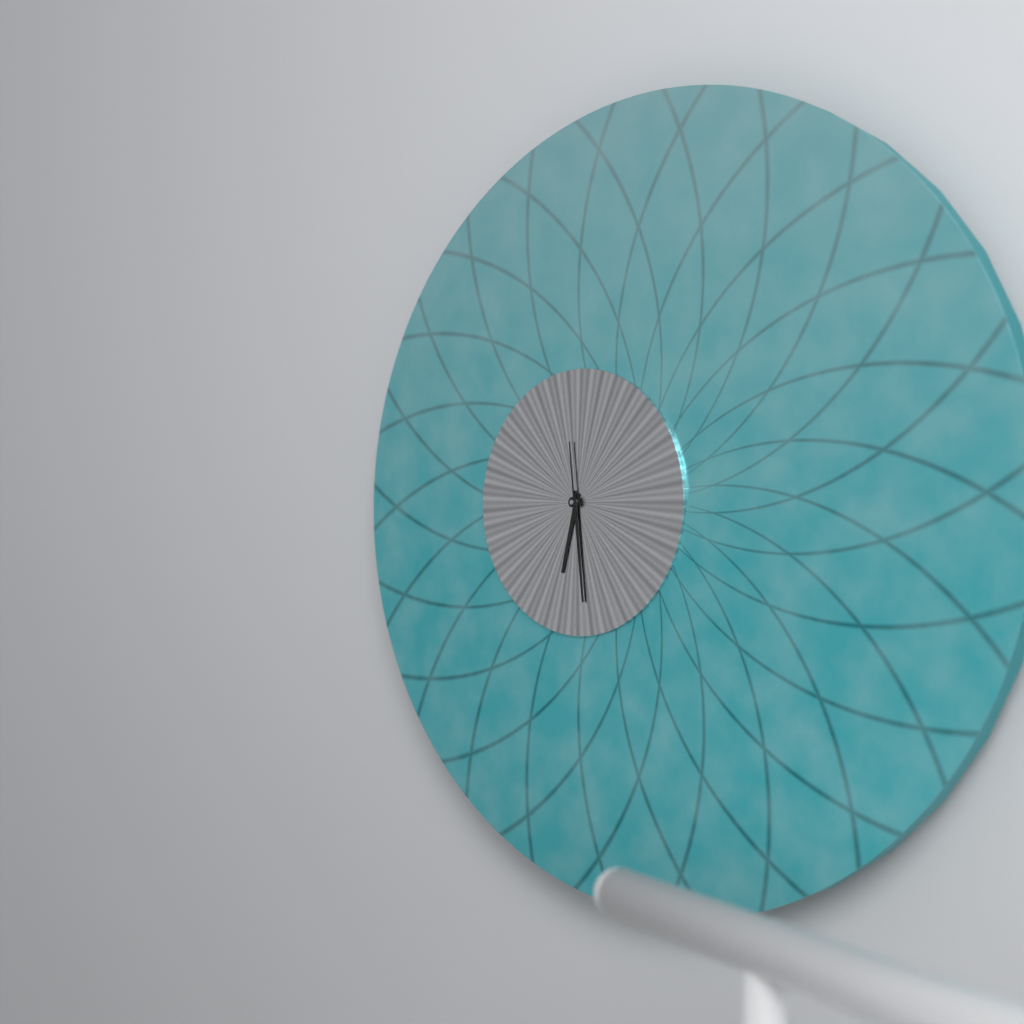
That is 6:29:59
